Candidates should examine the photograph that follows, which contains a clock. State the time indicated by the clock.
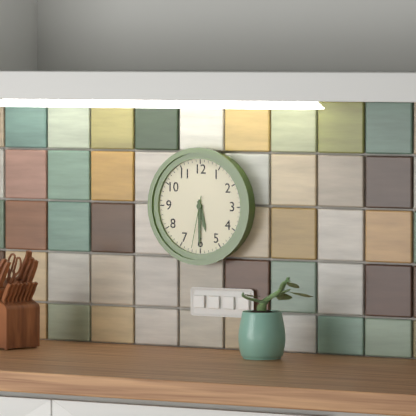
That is 5:30:32
